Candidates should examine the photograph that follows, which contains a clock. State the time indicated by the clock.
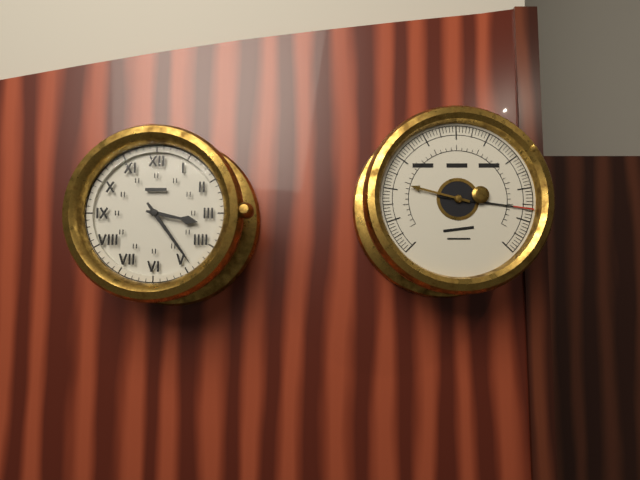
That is 3:24
